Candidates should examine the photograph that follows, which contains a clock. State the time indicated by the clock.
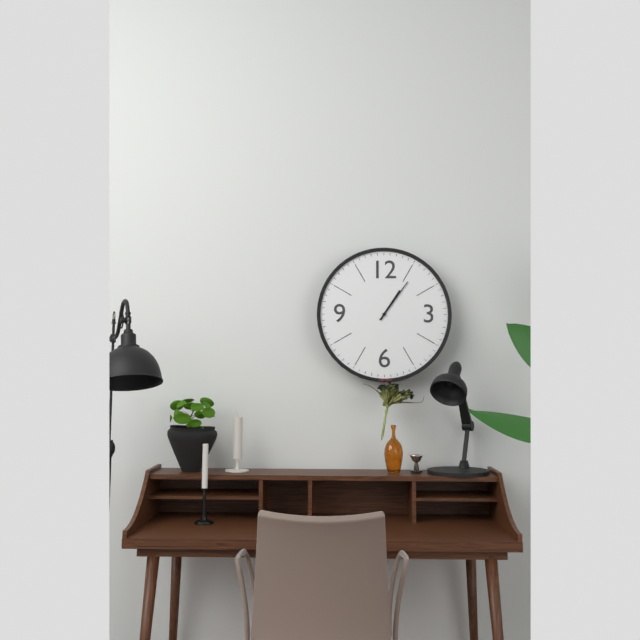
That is 1:06
